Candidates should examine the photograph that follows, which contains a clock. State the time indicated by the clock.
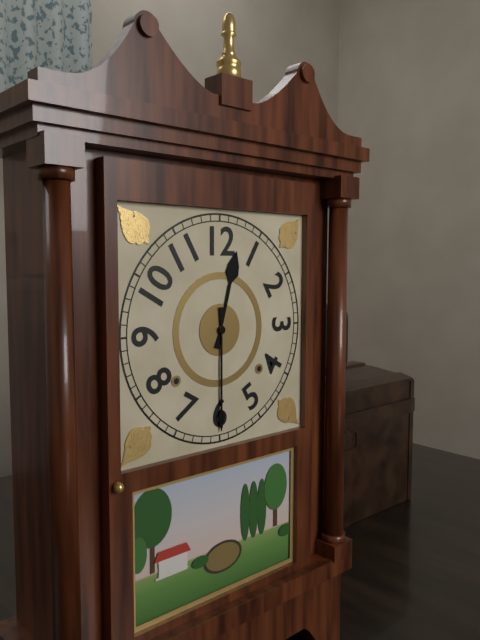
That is 12:30
